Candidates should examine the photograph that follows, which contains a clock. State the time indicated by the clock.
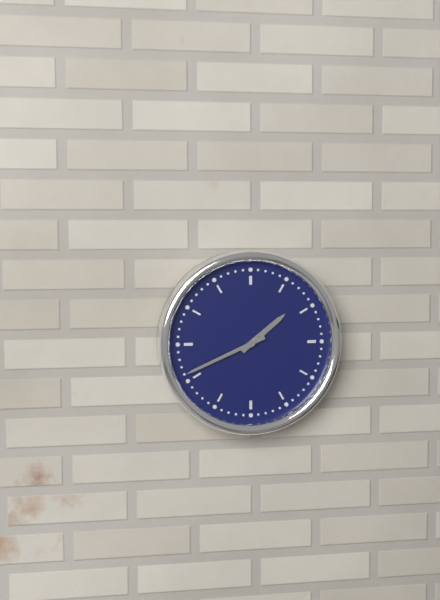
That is 1:41
